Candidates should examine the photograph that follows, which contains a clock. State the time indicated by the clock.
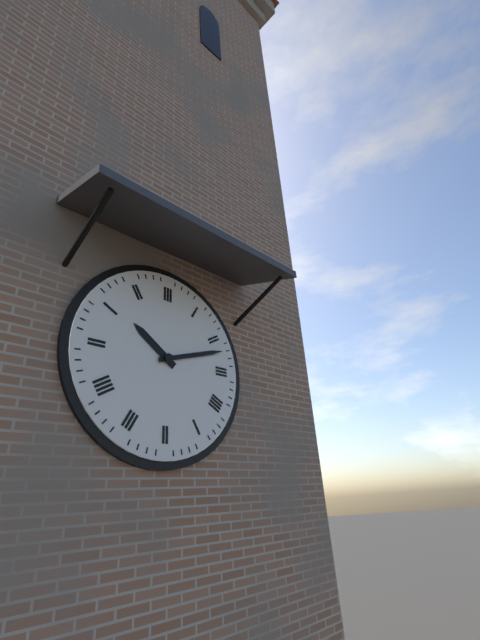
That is 10:12
